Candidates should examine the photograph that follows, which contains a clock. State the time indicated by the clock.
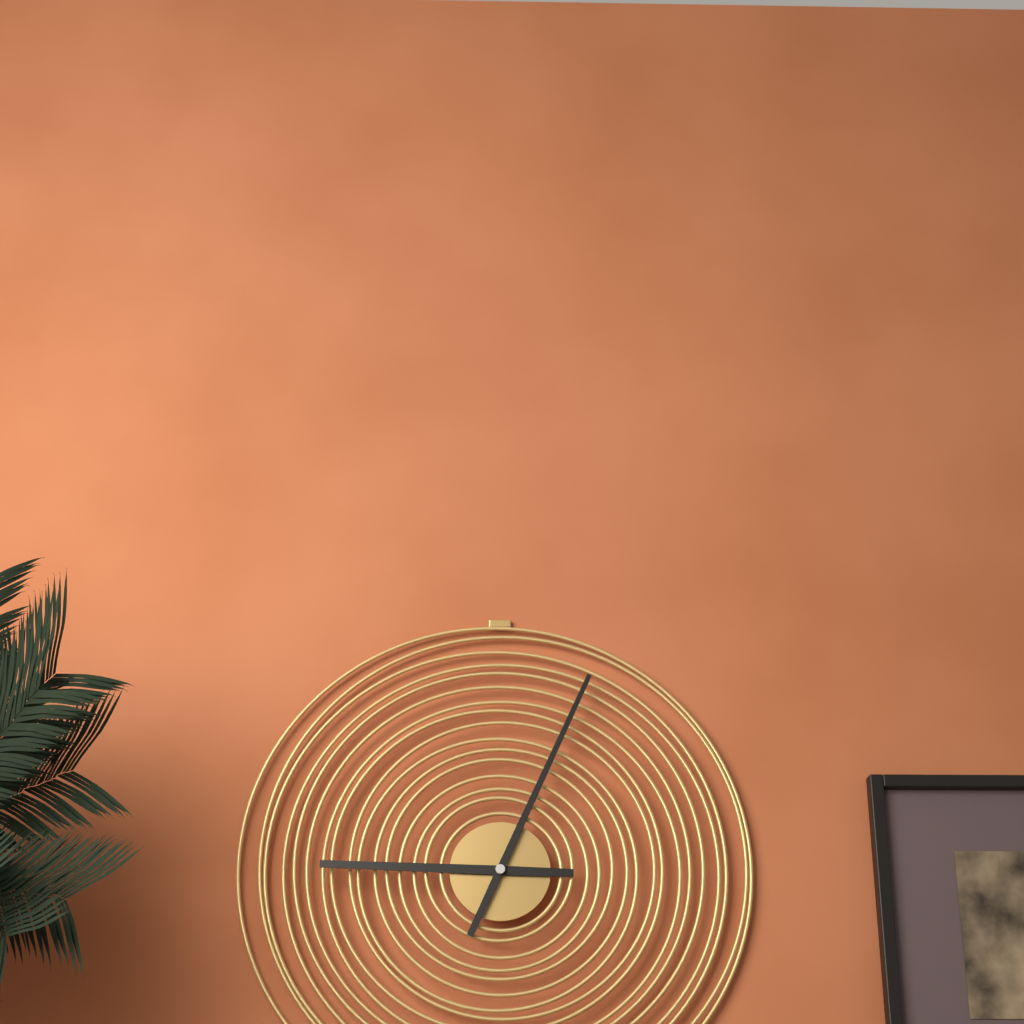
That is 9:04
